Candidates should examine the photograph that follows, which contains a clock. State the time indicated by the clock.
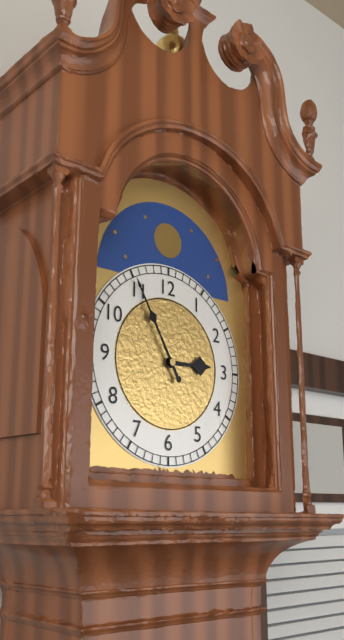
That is 2:55
